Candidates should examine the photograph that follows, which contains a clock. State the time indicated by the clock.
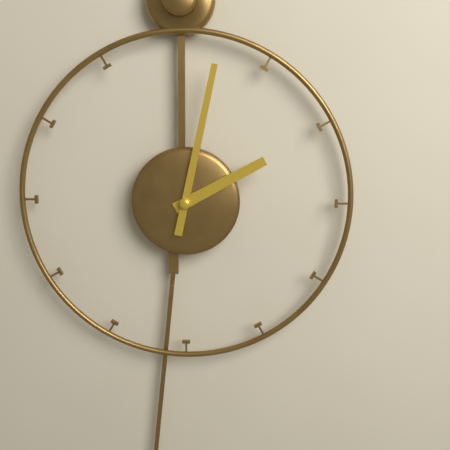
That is 2:02
